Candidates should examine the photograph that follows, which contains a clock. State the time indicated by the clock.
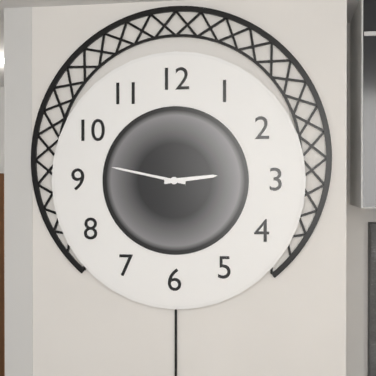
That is 2:47
